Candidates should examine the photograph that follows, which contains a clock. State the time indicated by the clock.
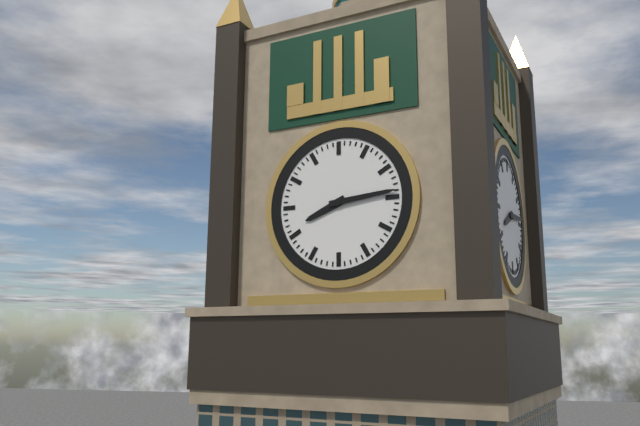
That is 8:14
